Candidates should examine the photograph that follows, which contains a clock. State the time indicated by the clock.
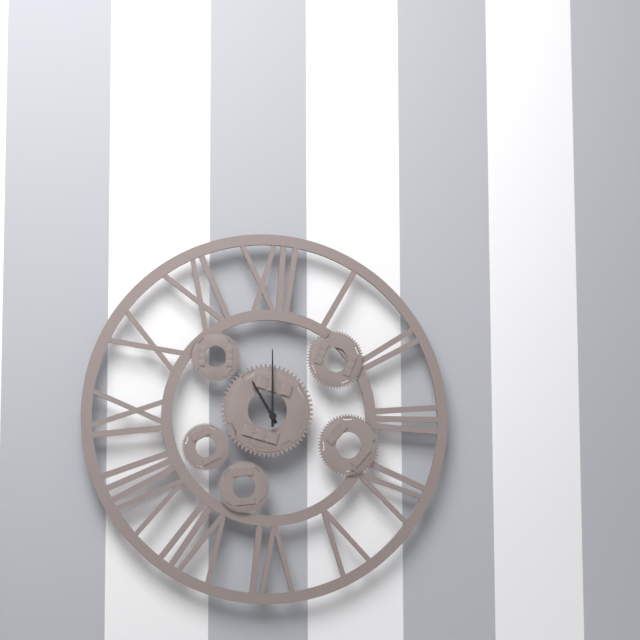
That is 11:00
